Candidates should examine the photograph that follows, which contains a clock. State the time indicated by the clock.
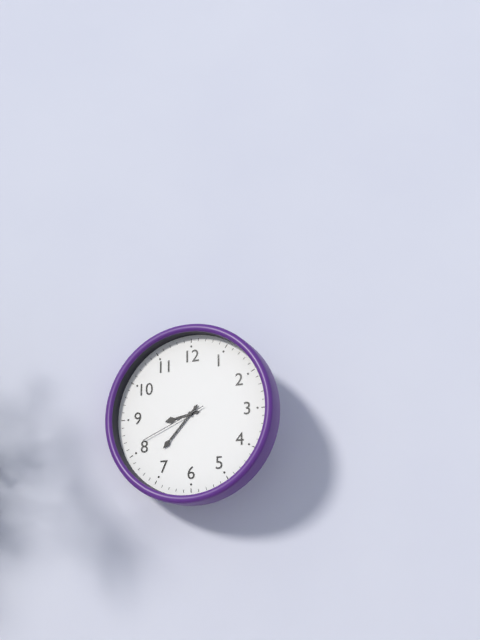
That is 8:37:41
